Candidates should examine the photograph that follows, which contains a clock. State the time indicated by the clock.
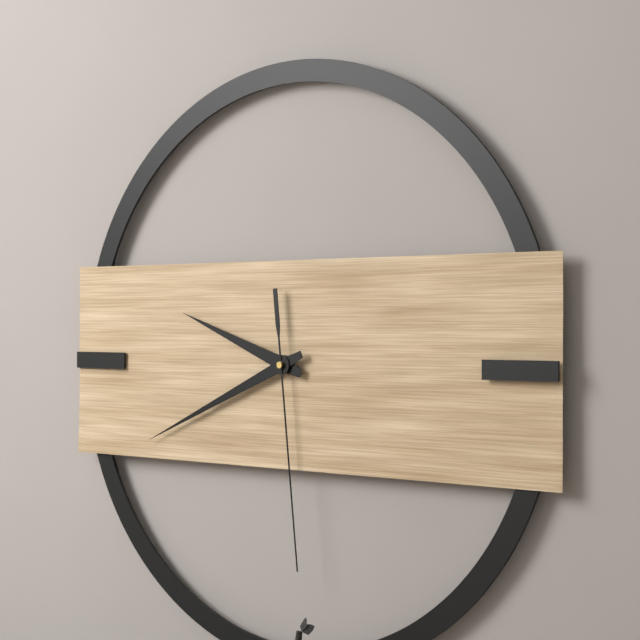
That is 9:41:29
